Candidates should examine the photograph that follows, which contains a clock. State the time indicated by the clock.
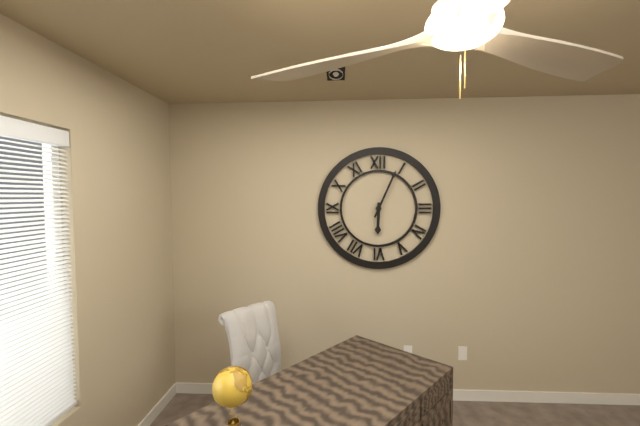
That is 6:04
